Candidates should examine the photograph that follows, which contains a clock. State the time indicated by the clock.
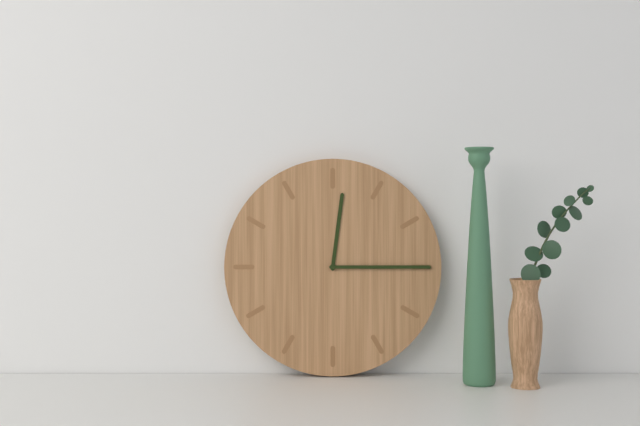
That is 12:15
